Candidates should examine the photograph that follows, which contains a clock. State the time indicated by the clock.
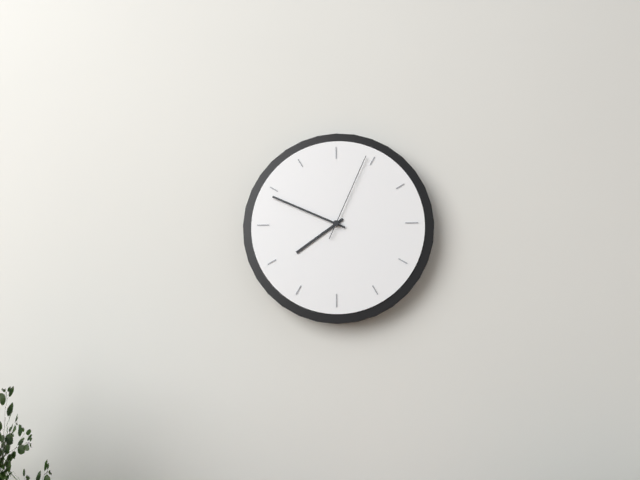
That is 7:49:04
